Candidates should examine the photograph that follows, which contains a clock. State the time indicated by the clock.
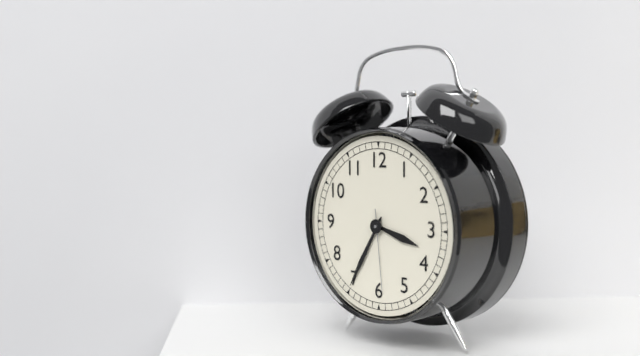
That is 3:35:29
